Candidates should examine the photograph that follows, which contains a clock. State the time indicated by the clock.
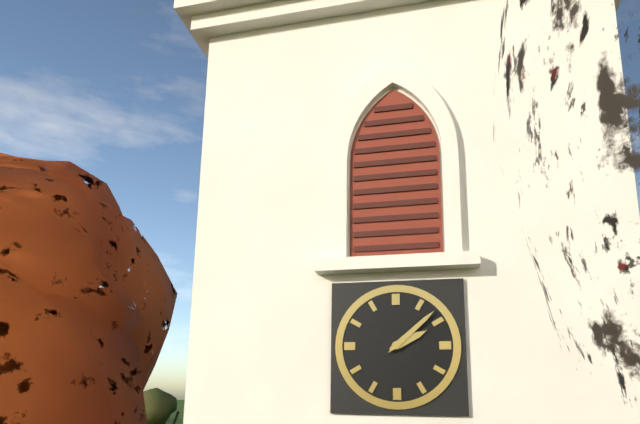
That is 2:08
